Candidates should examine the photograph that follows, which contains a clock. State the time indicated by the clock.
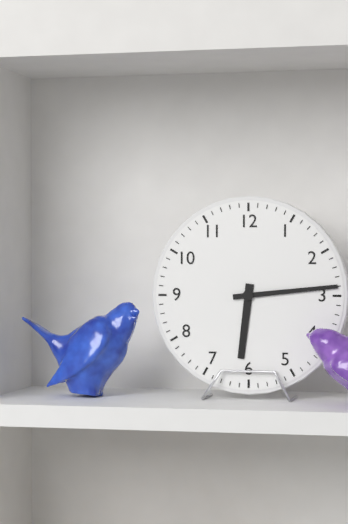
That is 6:14
